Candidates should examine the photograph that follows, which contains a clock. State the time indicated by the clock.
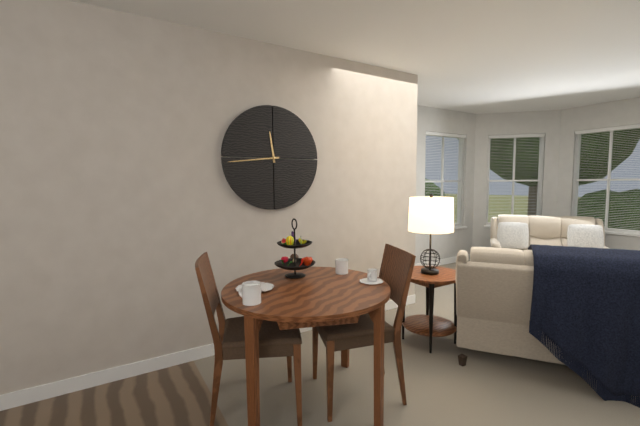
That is 11:44
